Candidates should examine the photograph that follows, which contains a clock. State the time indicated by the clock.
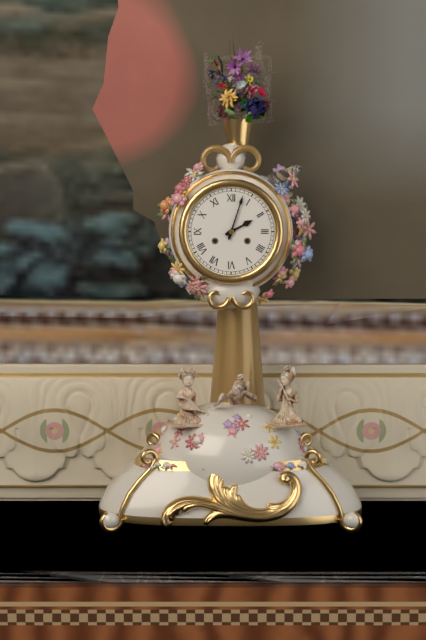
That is 2:03
